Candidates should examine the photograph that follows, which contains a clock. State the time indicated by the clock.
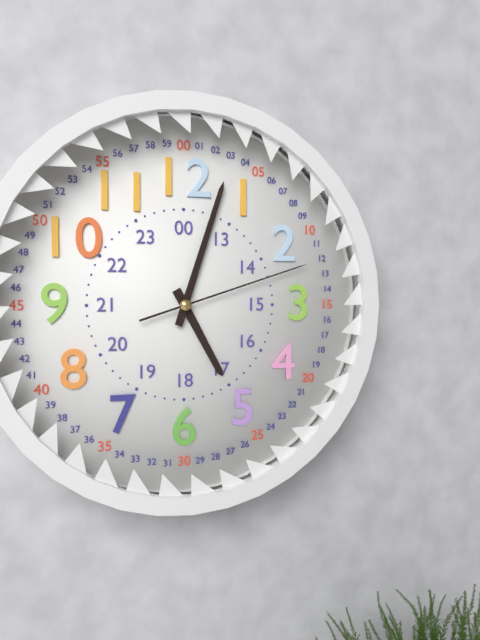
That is 5:03:12
